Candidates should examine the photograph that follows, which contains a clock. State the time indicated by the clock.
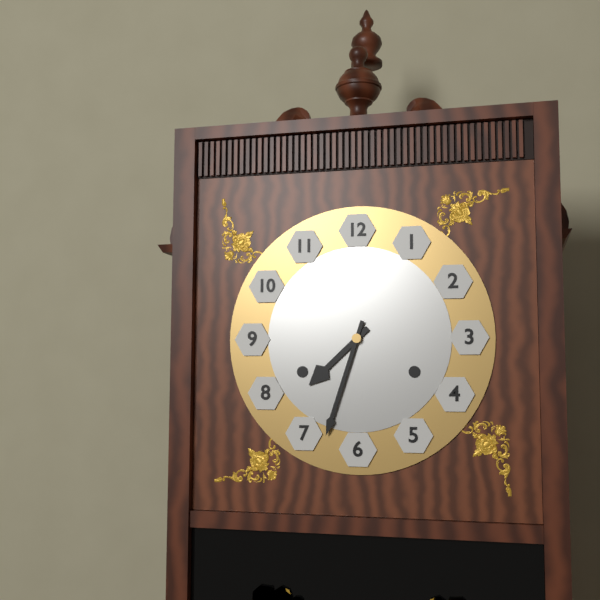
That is 7:33
